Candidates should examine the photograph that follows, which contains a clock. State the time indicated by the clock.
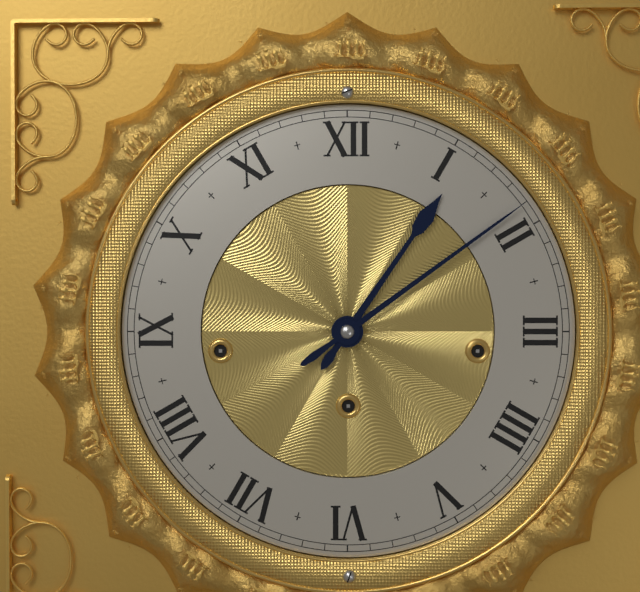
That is 1:09
